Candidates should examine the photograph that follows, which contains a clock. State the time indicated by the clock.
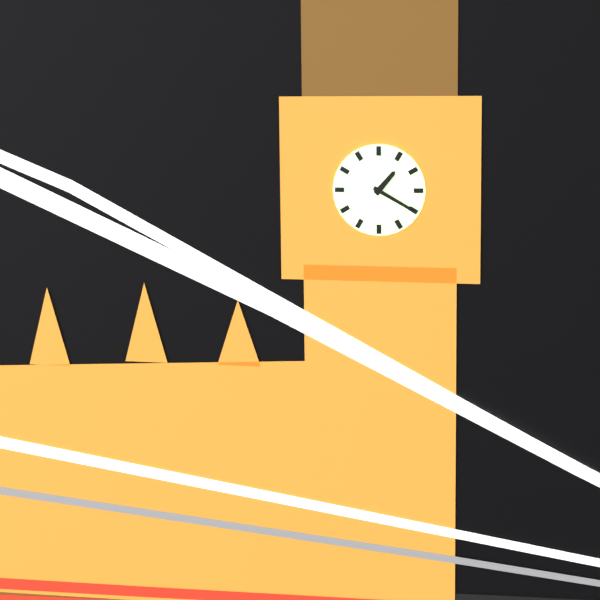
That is 1:20
